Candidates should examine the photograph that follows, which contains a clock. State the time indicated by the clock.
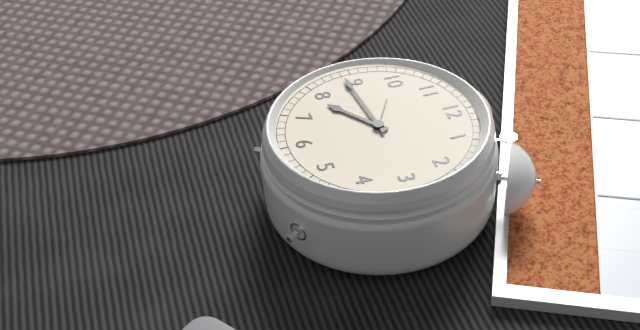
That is 7:44
